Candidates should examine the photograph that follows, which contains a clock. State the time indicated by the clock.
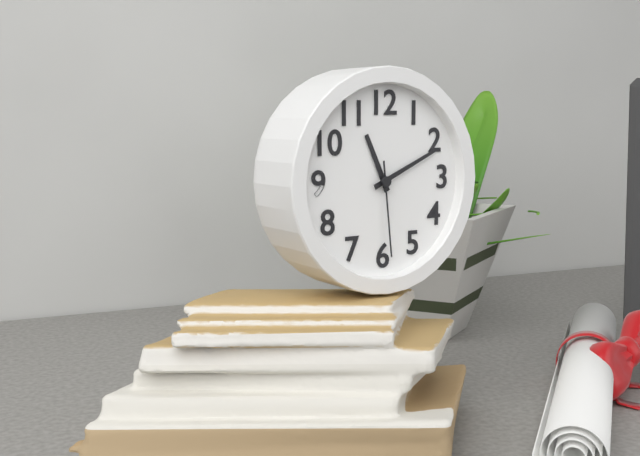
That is 11:11:29
